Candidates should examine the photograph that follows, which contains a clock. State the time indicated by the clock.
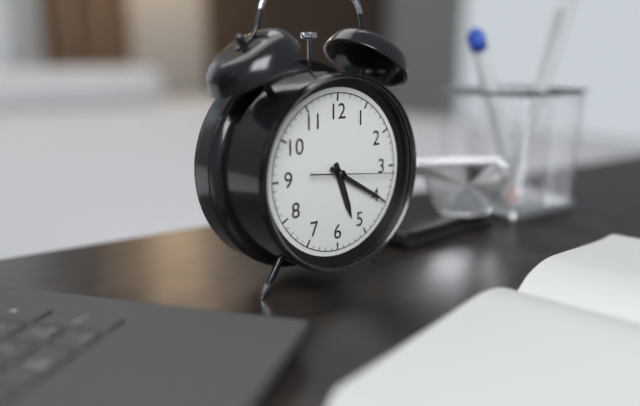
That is 5:20:16
